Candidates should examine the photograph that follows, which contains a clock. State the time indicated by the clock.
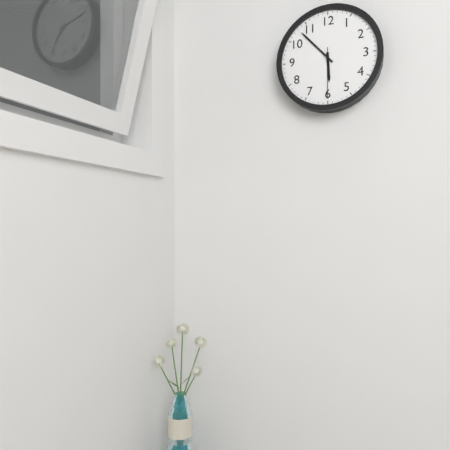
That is 5:53:30
